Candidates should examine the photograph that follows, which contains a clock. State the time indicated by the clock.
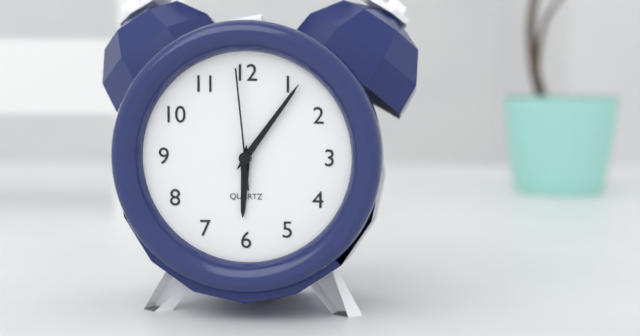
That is 6:06:59
